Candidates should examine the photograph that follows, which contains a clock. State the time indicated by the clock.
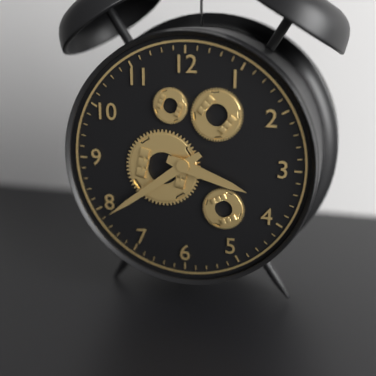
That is 3:39
